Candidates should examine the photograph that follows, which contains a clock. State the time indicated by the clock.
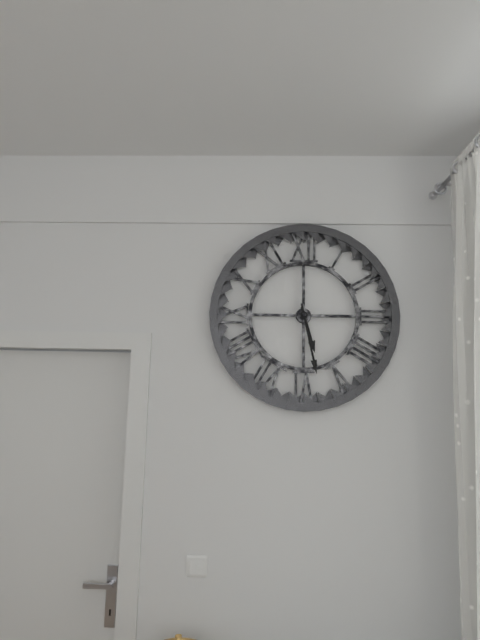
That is 5:28
